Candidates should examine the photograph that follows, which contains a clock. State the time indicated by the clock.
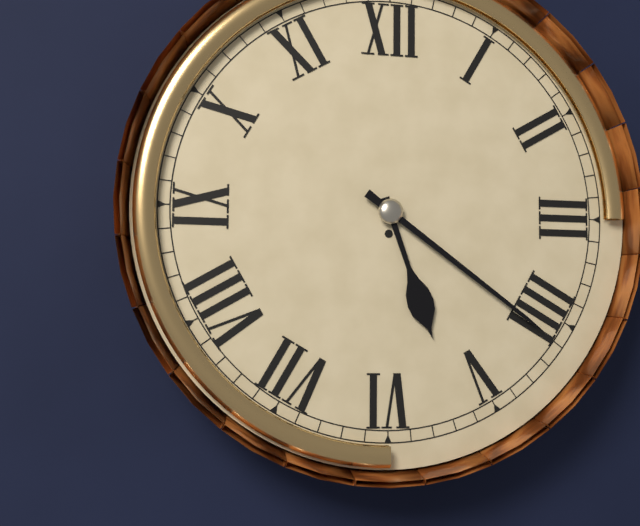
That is 5:21
